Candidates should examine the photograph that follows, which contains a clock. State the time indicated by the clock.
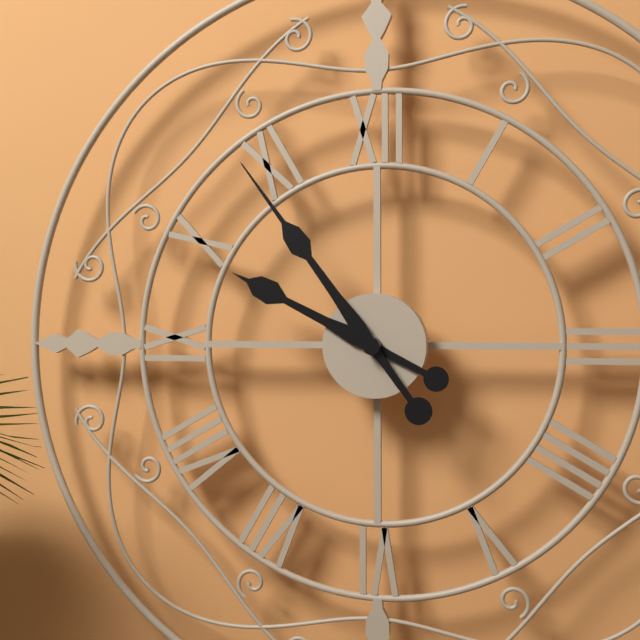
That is 9:54
